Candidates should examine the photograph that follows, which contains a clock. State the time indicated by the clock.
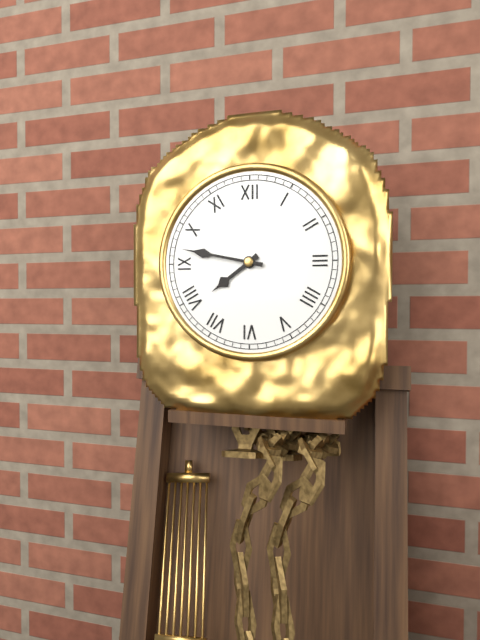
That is 7:47
